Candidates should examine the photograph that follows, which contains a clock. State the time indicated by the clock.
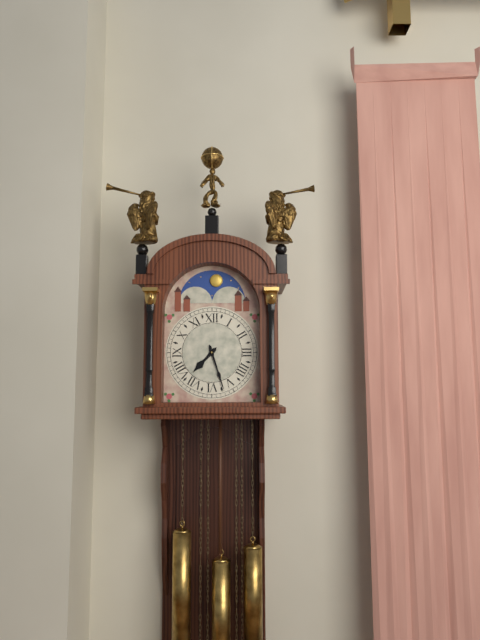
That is 7:27
